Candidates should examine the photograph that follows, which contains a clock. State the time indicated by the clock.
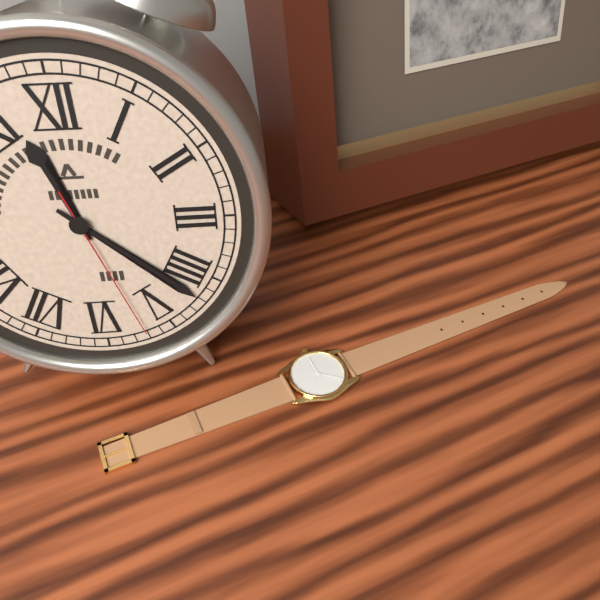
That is 11:22:27
